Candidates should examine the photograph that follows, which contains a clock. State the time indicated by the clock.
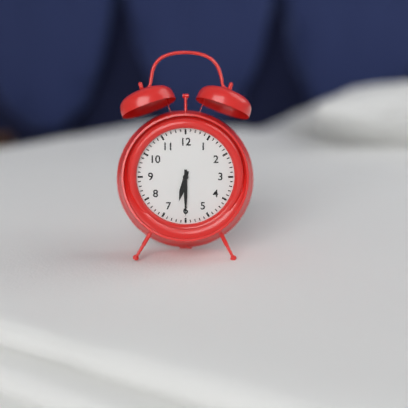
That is 6:30
